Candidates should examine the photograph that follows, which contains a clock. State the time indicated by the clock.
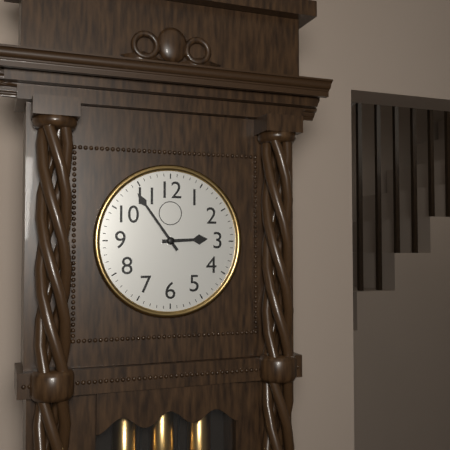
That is 2:54
